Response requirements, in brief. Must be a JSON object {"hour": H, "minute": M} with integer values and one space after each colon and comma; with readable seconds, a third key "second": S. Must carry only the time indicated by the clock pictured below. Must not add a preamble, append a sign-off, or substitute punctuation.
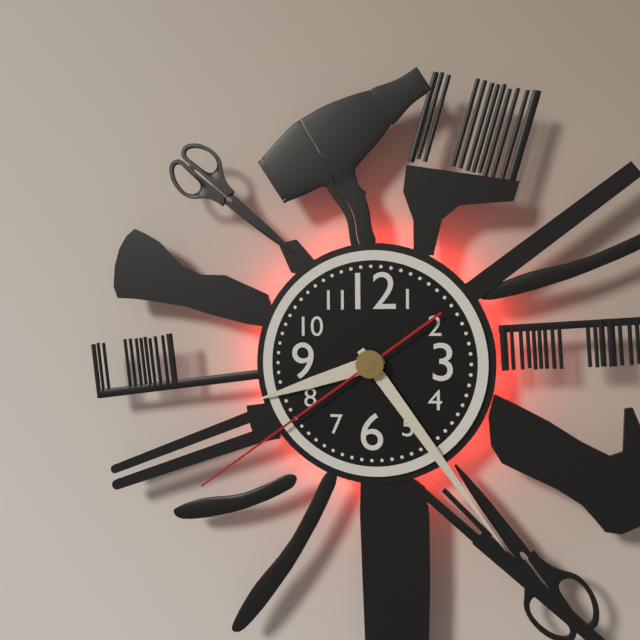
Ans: {"hour": 8, "minute": 24, "second": 39}
